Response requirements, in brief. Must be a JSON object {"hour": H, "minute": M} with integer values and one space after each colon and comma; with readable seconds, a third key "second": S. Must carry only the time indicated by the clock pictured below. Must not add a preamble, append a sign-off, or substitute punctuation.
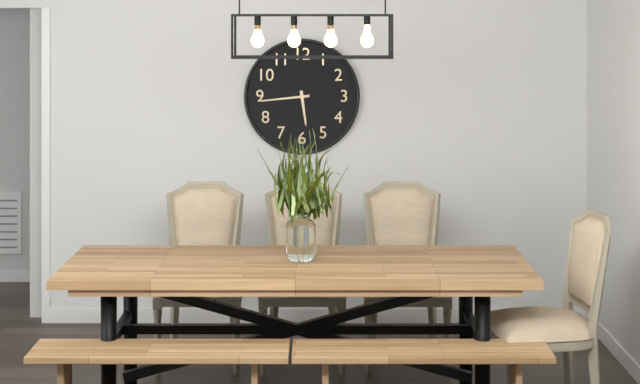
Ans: {"hour": 5, "minute": 44}
